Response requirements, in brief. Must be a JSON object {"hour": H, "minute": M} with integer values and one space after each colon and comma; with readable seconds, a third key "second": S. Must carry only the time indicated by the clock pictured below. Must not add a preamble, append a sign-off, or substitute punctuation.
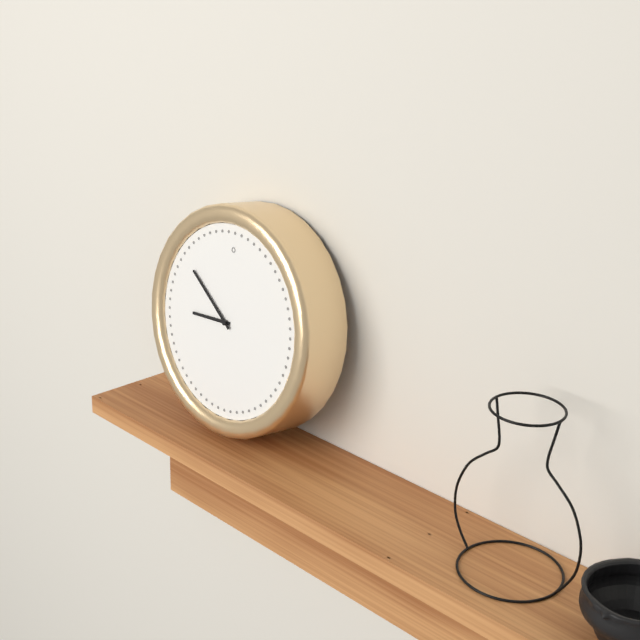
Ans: {"hour": 8, "minute": 51}
